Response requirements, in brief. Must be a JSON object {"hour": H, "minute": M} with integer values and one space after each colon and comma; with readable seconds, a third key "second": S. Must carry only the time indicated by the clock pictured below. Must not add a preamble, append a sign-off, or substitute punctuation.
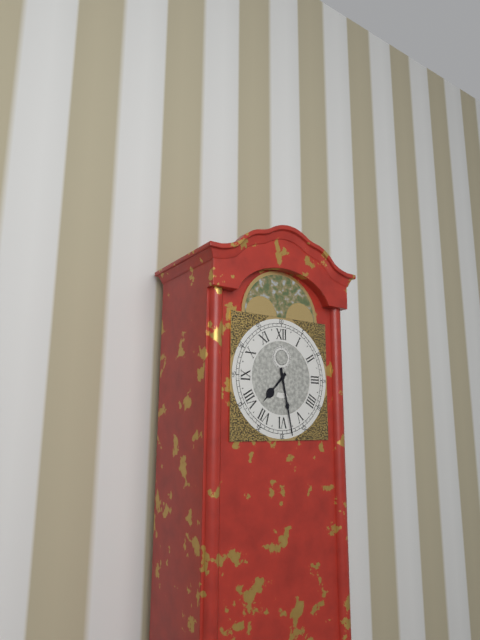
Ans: {"hour": 7, "minute": 28}
